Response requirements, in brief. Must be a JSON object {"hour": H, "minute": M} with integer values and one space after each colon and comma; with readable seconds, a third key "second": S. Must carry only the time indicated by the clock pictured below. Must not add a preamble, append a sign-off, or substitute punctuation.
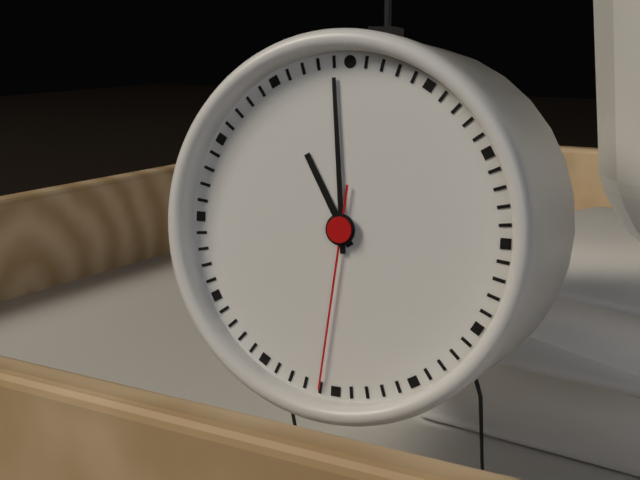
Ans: {"hour": 10, "minute": 59, "second": 31}
